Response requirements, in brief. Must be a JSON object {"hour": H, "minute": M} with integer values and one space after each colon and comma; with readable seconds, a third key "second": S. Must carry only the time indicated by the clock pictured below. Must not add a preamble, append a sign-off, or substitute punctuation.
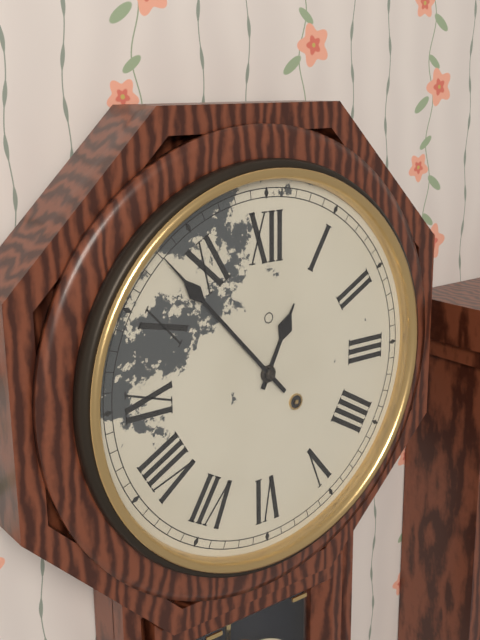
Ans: {"hour": 12, "minute": 53}
